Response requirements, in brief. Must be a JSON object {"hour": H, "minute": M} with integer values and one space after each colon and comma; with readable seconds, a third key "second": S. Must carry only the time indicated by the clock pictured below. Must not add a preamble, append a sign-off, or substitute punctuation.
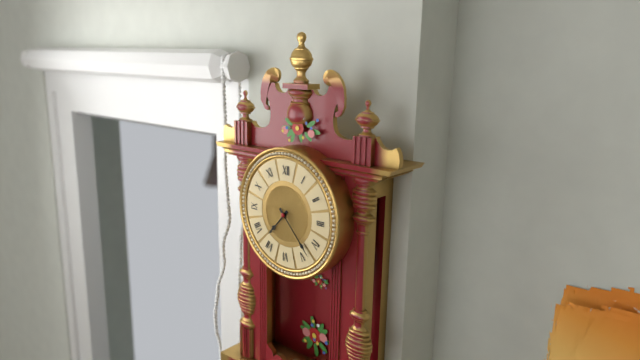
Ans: {"hour": 7, "minute": 23}
